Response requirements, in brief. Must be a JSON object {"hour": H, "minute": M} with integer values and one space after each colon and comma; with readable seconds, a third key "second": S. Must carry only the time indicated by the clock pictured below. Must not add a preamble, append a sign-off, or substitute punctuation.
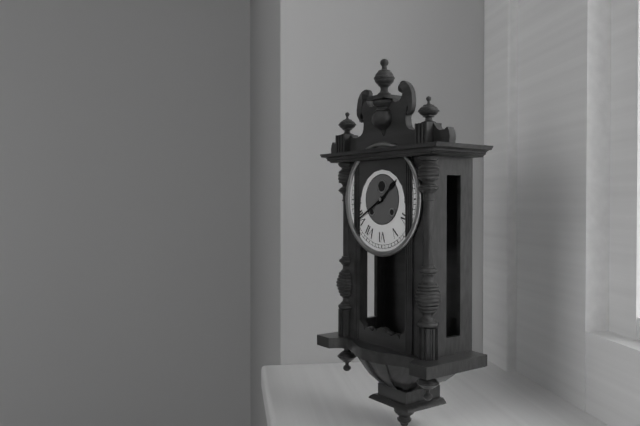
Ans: {"hour": 1, "minute": 40}
